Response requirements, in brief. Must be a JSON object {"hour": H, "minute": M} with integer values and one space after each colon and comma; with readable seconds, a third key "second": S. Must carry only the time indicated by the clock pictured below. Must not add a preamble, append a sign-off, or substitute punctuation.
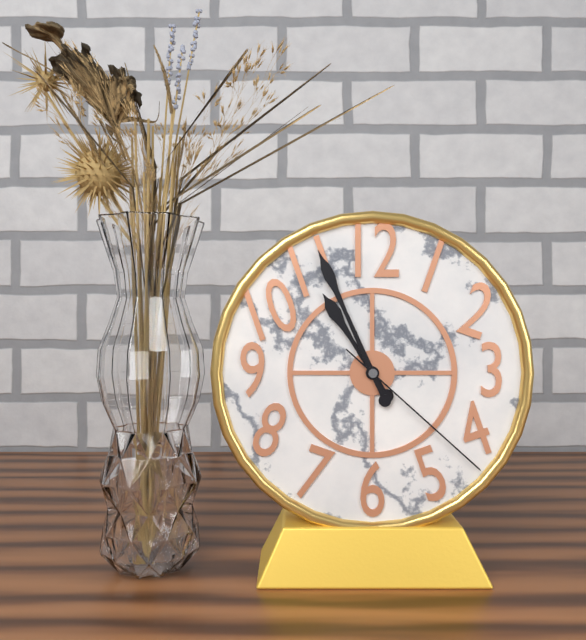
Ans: {"hour": 10, "minute": 56, "second": 22}
